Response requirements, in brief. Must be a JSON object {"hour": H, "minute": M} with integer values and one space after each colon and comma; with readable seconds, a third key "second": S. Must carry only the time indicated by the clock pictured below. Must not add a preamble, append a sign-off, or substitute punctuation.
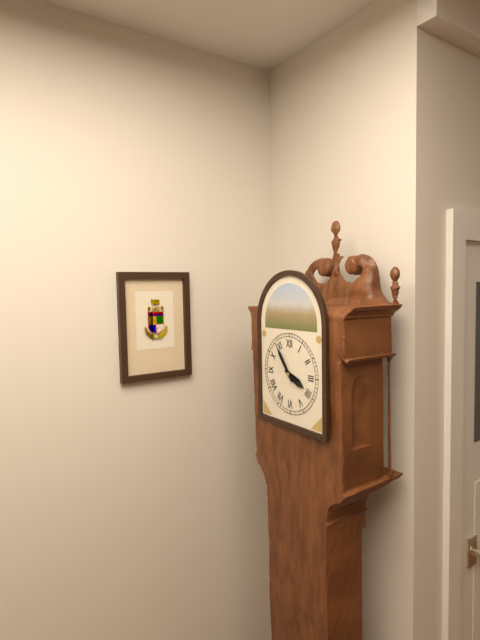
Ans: {"hour": 3, "minute": 54}
